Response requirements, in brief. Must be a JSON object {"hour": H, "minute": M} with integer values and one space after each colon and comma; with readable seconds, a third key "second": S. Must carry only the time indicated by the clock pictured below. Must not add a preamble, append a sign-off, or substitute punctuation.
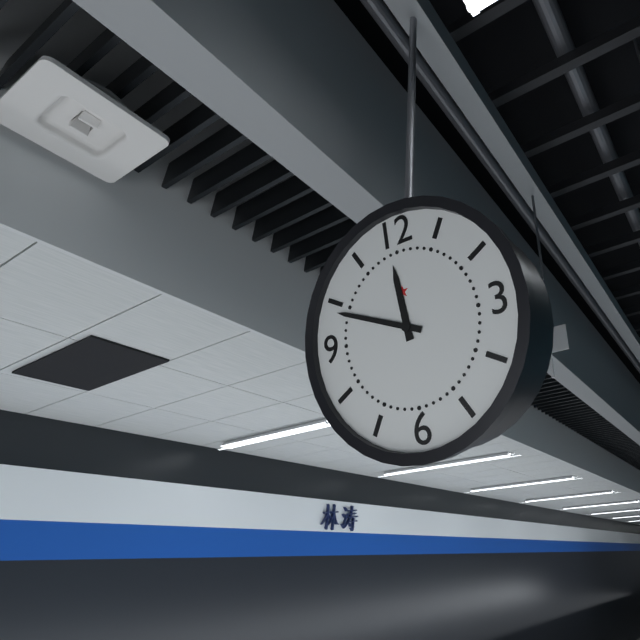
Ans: {"hour": 11, "minute": 49}
